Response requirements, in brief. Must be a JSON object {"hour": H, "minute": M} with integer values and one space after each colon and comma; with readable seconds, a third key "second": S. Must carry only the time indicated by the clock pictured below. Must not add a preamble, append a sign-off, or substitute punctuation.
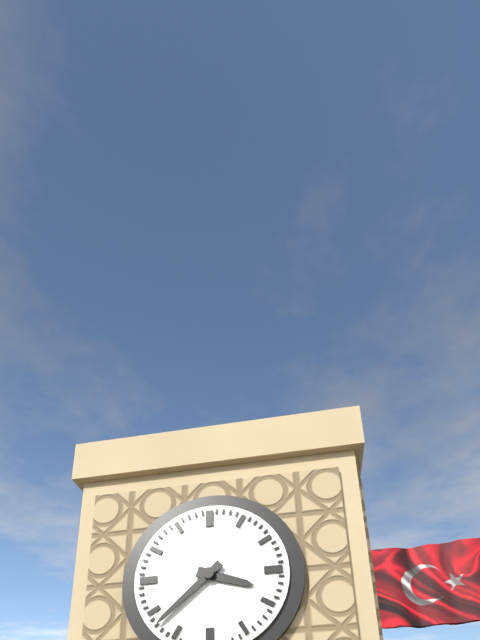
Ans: {"hour": 3, "minute": 38}
